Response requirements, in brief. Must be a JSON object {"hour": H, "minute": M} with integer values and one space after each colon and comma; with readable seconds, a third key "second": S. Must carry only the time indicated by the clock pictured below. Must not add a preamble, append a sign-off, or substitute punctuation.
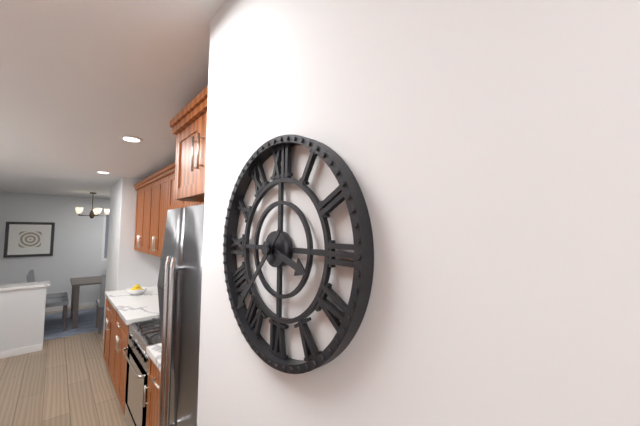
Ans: {"hour": 3, "minute": 37}
